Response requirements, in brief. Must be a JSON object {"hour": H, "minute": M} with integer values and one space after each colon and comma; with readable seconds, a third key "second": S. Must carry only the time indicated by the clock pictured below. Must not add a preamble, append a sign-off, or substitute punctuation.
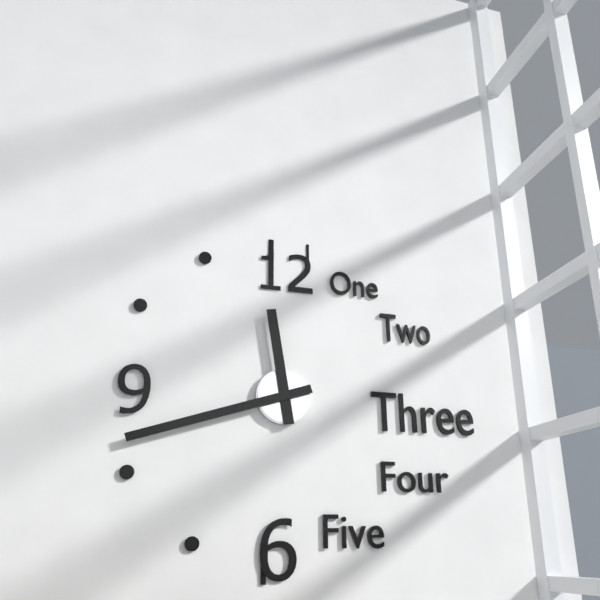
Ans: {"hour": 11, "minute": 42}
